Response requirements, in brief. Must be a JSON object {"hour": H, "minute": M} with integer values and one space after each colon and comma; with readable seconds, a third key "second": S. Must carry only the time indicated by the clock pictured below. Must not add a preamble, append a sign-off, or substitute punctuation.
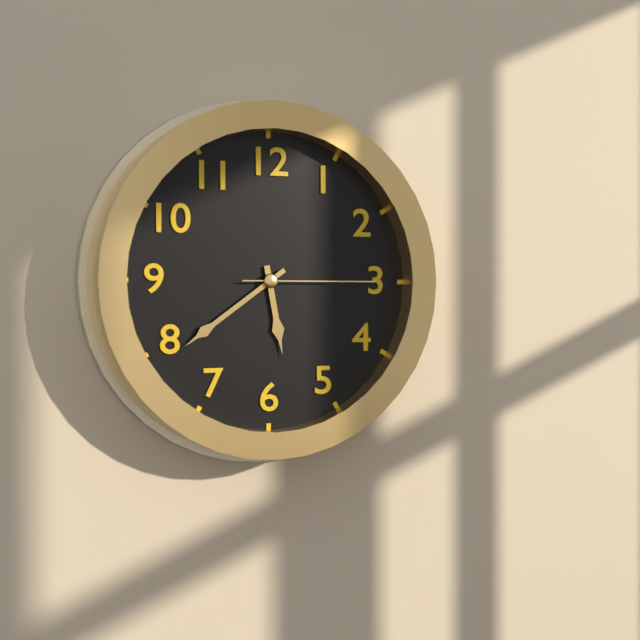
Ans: {"hour": 5, "minute": 39, "second": 15}
